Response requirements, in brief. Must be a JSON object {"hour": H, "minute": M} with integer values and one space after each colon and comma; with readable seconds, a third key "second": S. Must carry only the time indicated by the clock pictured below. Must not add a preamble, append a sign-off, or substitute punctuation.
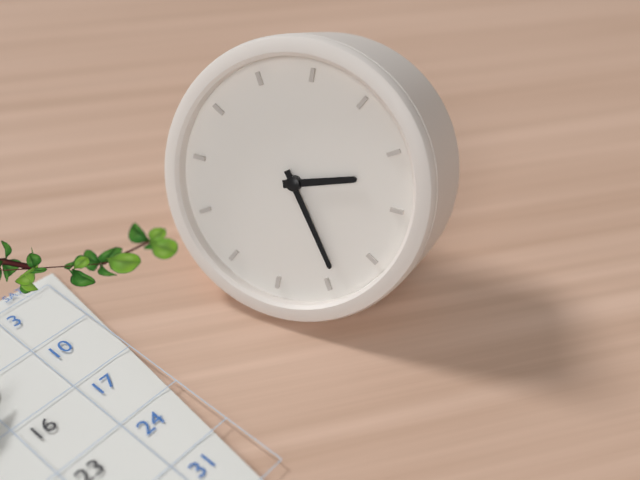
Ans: {"hour": 2, "minute": 24}
